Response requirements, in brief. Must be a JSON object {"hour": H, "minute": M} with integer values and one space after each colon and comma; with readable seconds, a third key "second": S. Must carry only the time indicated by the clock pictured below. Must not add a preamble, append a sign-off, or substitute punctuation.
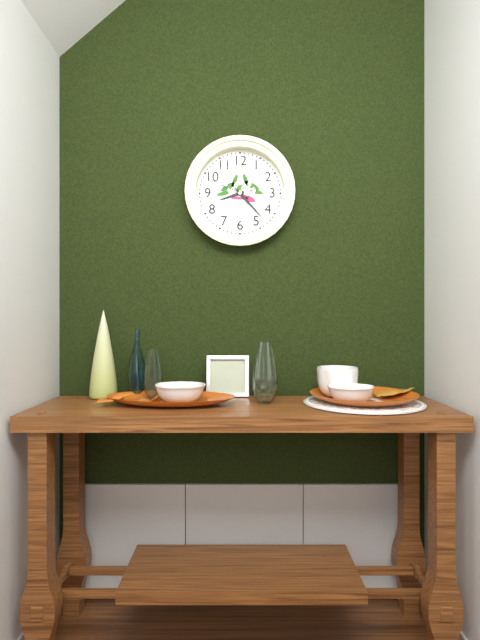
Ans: {"hour": 8, "minute": 23}
